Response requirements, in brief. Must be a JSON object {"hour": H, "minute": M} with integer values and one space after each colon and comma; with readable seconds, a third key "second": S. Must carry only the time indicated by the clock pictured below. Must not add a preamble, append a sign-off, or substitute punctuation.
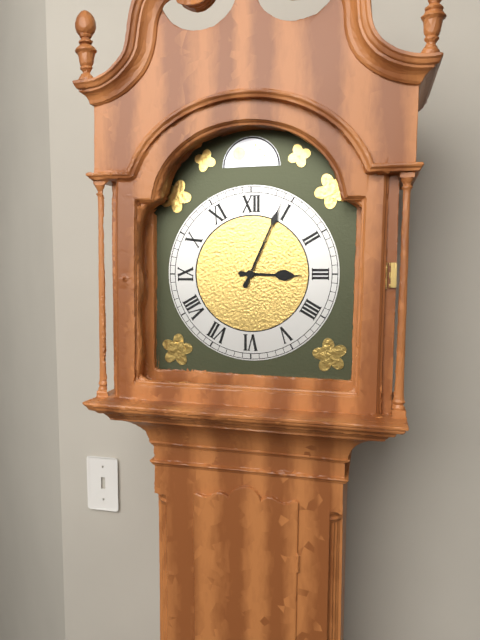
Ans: {"hour": 3, "minute": 4}
